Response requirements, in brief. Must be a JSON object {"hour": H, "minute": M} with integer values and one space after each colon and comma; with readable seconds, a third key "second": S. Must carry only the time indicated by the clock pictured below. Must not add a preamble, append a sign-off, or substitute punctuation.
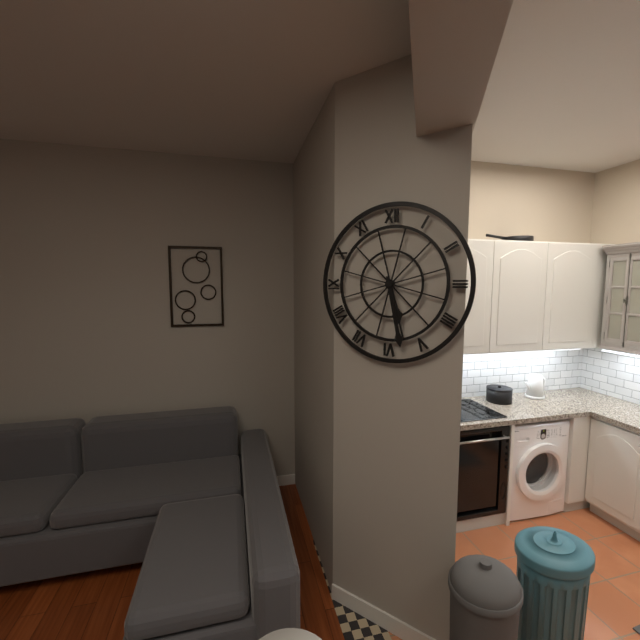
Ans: {"hour": 5, "minute": 28}
